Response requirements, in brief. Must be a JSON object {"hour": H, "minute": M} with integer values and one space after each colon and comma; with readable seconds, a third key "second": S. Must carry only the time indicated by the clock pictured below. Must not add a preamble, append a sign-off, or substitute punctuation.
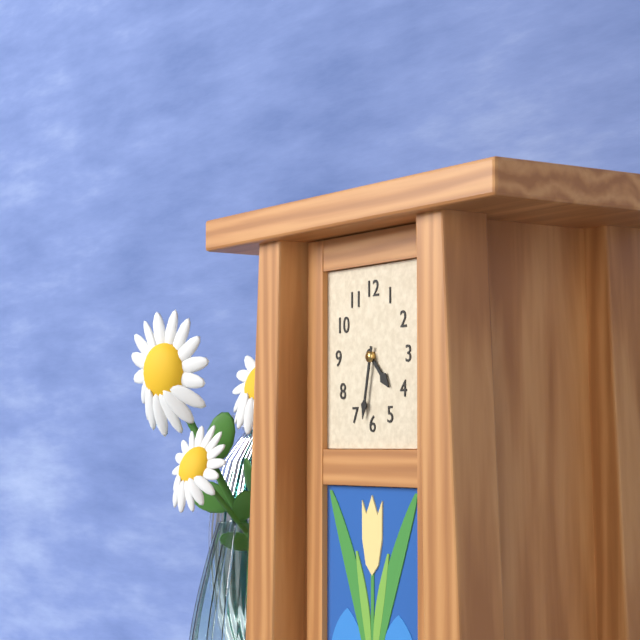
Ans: {"hour": 4, "minute": 32}
